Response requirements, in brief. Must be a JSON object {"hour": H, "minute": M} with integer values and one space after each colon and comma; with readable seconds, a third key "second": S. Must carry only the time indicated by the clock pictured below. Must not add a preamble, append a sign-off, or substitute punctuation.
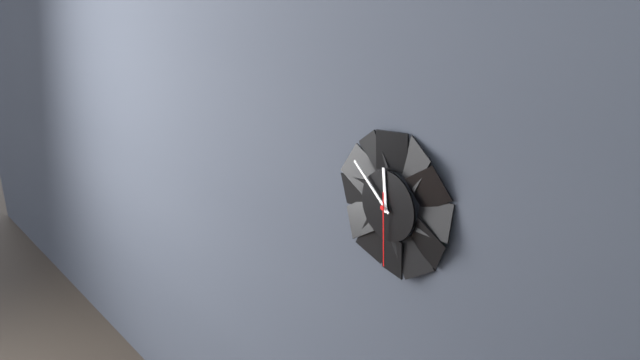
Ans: {"hour": 11, "minute": 52, "second": 30}
